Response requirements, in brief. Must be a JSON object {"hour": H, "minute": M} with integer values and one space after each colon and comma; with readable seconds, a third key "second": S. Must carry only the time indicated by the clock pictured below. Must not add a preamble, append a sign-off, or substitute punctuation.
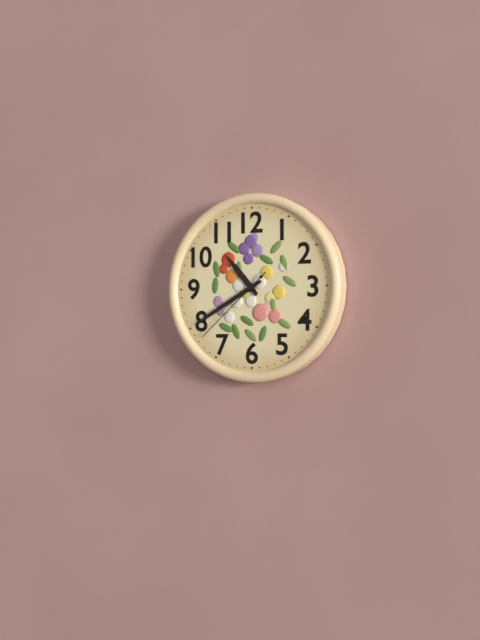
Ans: {"hour": 10, "minute": 40, "second": 38}
